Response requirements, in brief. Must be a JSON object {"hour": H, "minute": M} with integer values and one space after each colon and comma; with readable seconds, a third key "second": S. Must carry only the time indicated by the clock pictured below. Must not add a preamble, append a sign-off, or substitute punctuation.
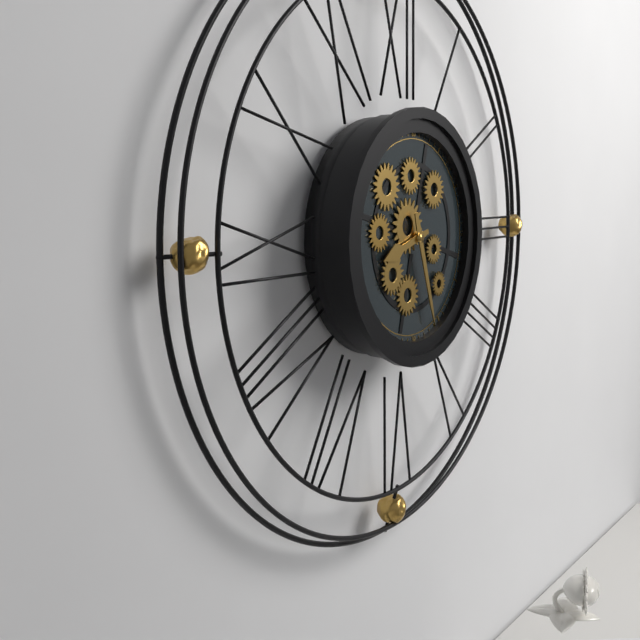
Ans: {"hour": 8, "minute": 27}
